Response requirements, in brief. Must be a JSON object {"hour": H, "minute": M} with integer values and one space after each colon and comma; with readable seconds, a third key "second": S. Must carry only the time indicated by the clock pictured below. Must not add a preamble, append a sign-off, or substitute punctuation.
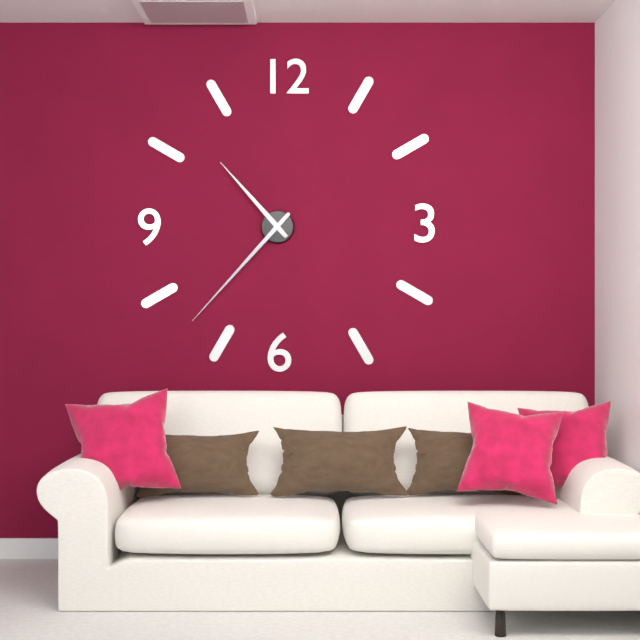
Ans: {"hour": 10, "minute": 37}
